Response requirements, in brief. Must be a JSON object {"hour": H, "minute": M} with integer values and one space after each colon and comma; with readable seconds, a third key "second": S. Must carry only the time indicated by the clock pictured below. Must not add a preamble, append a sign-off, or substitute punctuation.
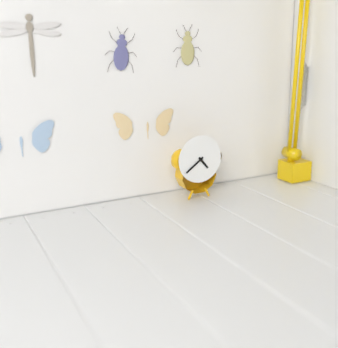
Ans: {"hour": 4, "minute": 39}
